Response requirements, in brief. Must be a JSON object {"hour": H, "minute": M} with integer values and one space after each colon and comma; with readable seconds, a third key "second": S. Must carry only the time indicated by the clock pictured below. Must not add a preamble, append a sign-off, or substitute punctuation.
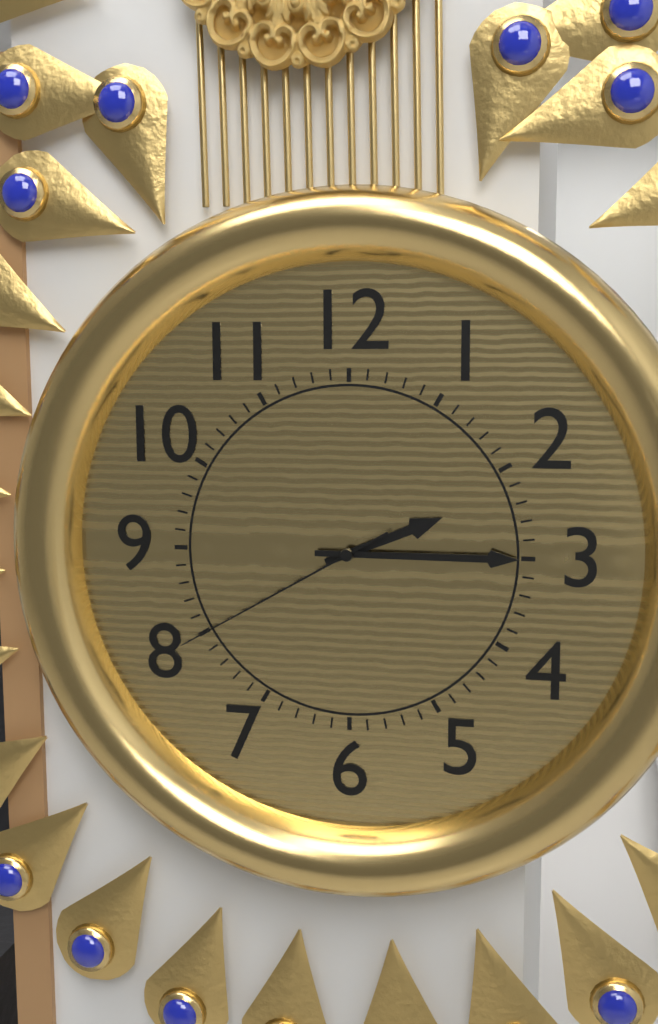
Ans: {"hour": 2, "minute": 15, "second": 40}
